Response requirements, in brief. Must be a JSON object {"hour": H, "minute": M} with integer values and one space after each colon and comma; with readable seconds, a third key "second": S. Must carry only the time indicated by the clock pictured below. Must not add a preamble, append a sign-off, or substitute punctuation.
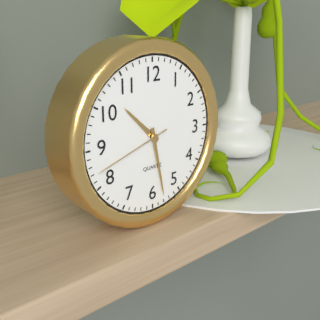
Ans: {"hour": 10, "minute": 28, "second": 42}
